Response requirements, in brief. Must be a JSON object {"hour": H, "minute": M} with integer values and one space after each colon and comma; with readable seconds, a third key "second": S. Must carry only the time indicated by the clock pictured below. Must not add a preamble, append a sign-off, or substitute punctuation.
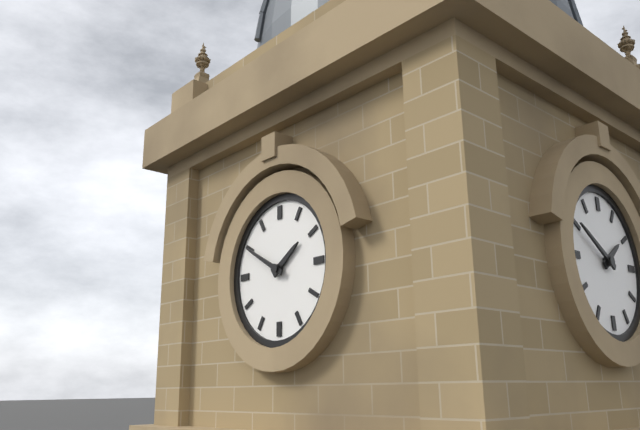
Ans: {"hour": 1, "minute": 50}
